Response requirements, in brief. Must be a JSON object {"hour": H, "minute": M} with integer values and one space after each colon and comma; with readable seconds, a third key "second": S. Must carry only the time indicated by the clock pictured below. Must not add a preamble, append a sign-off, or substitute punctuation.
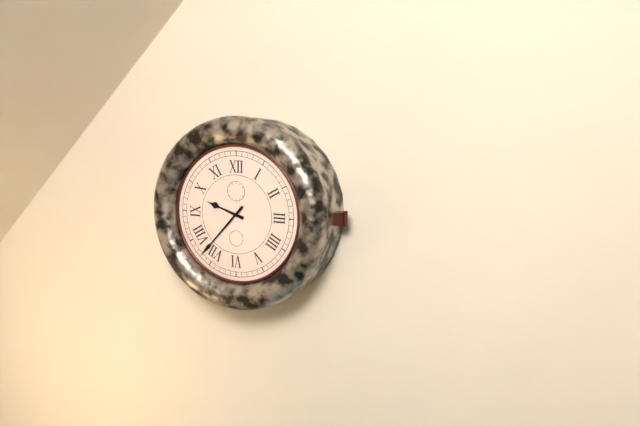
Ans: {"hour": 9, "minute": 37}
